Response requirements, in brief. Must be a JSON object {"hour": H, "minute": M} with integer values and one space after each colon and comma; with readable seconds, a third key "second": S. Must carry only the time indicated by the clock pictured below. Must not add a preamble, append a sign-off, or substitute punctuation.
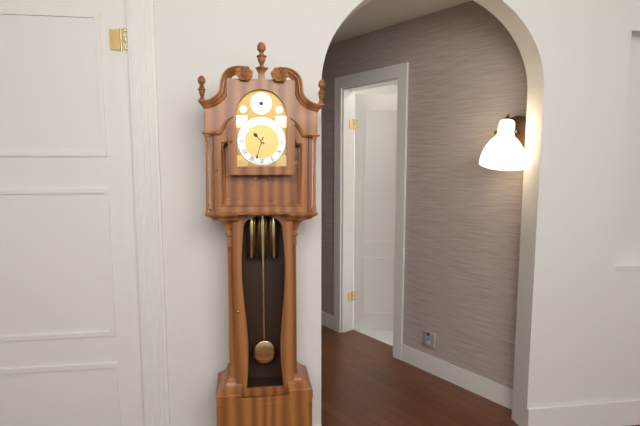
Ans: {"hour": 10, "minute": 33}
